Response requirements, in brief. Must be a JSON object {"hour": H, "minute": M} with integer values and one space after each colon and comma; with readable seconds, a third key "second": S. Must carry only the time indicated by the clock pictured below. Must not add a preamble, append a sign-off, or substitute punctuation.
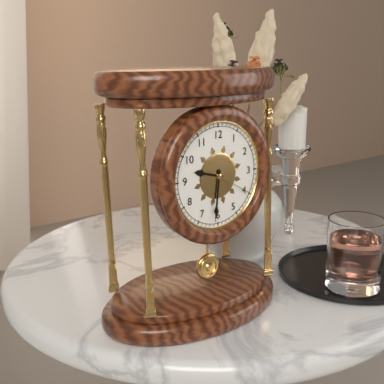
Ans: {"hour": 9, "minute": 31}
